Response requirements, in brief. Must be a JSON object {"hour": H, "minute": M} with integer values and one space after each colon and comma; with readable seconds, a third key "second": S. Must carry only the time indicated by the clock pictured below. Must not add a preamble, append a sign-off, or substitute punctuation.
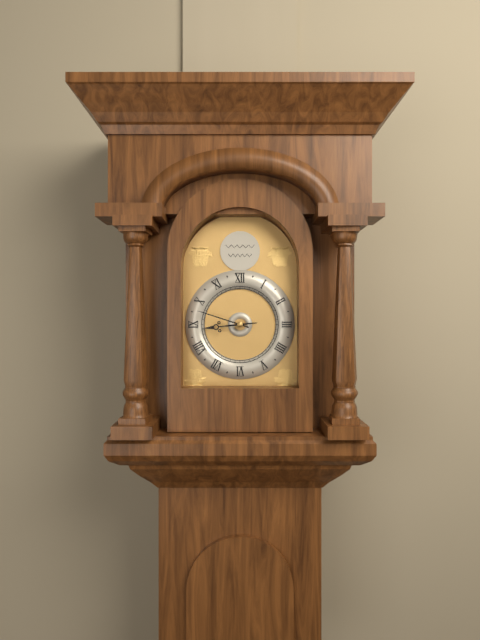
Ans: {"hour": 8, "minute": 48}
